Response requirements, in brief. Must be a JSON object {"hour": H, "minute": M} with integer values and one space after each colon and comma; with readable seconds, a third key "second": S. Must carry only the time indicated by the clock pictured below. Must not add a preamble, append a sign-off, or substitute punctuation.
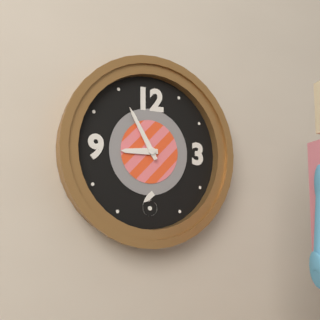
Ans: {"hour": 8, "minute": 55}
